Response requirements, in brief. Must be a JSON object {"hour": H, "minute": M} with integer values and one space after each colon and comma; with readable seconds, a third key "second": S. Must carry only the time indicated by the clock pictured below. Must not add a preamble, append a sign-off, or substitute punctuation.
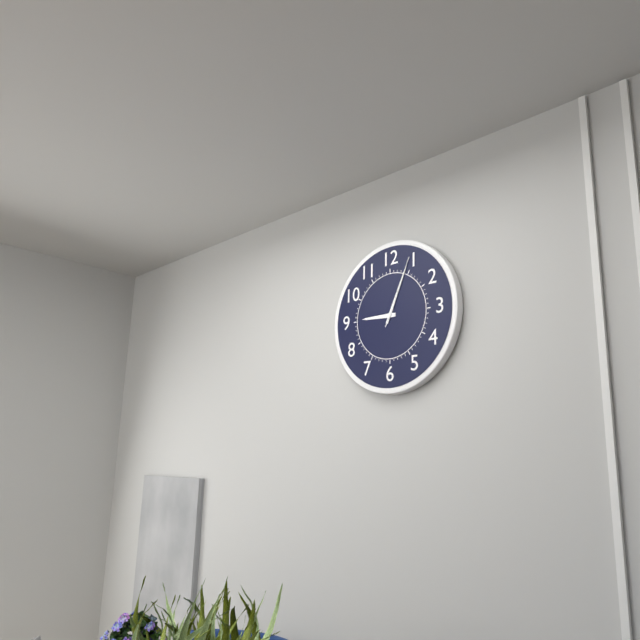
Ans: {"hour": 9, "minute": 4, "second": 4}
